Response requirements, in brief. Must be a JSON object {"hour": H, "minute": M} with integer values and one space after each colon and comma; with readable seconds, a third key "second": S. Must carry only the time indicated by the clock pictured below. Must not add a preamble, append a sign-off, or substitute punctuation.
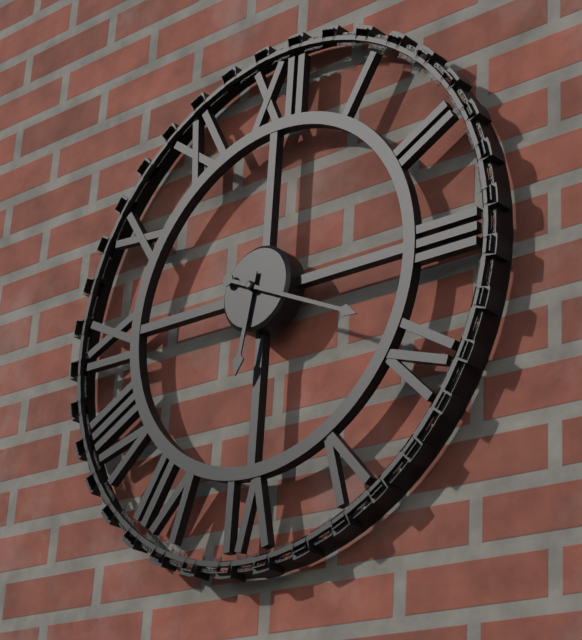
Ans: {"hour": 6, "minute": 19}
